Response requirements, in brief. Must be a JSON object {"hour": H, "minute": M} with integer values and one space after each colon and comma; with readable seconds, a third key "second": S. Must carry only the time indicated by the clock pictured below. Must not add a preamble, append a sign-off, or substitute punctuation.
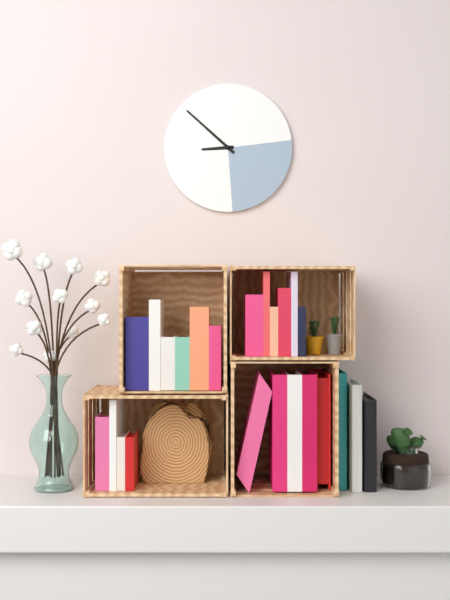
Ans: {"hour": 8, "minute": 52}
